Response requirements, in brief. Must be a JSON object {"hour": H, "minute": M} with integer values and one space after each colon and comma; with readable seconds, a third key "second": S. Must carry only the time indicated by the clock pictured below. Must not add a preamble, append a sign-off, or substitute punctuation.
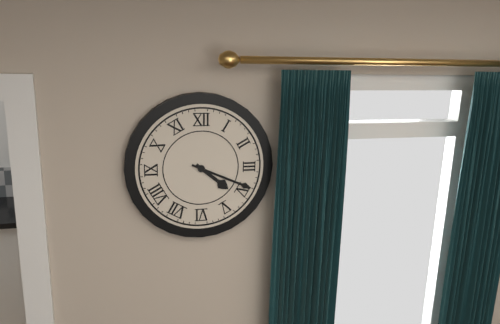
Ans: {"hour": 4, "minute": 19}
